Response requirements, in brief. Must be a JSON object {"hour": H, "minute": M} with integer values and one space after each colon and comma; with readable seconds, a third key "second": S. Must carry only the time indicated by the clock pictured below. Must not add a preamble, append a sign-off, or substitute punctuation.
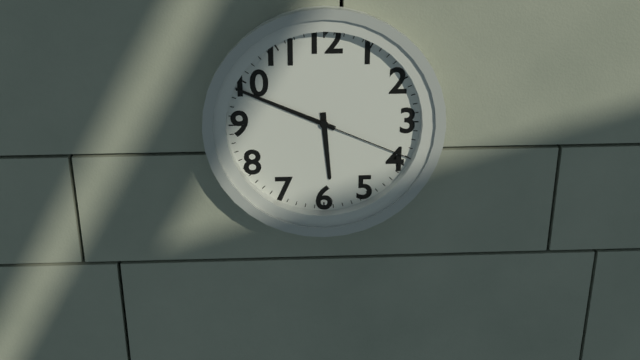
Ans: {"hour": 5, "minute": 49, "second": 19}
